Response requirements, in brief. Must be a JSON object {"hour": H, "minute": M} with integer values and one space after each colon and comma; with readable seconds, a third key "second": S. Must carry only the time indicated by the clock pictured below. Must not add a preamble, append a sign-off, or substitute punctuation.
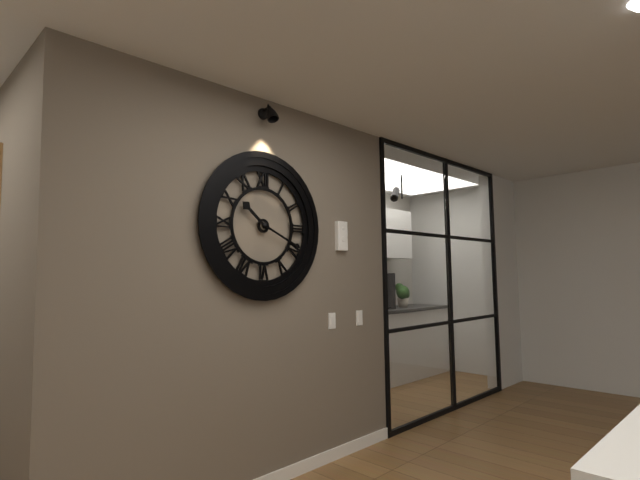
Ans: {"hour": 10, "minute": 19}
